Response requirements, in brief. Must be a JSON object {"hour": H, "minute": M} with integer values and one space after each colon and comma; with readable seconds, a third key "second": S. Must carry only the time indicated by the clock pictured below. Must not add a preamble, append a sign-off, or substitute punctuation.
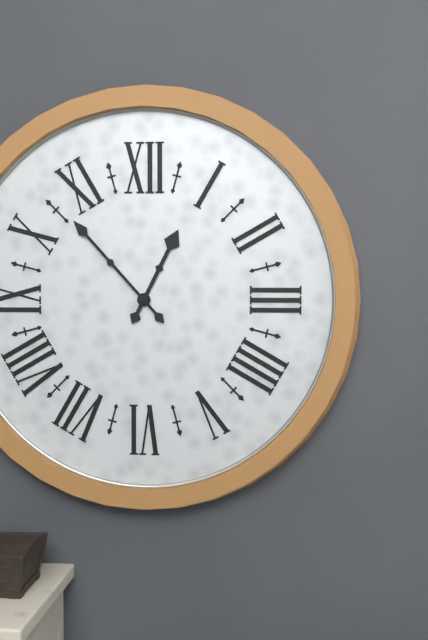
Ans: {"hour": 12, "minute": 53}
